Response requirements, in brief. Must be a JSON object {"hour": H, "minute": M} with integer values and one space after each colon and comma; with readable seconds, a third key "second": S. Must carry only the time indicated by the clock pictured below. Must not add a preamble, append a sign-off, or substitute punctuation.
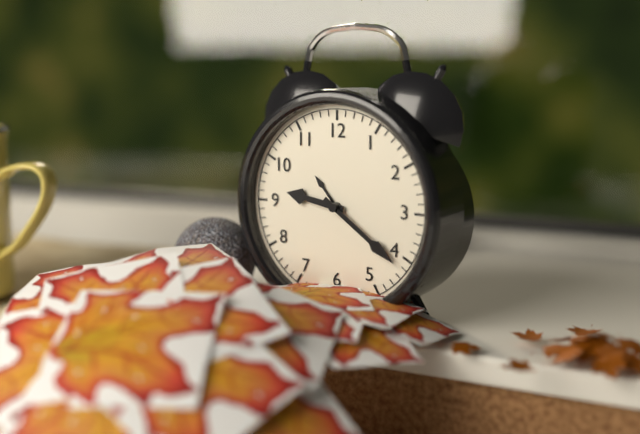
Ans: {"hour": 9, "minute": 21}
